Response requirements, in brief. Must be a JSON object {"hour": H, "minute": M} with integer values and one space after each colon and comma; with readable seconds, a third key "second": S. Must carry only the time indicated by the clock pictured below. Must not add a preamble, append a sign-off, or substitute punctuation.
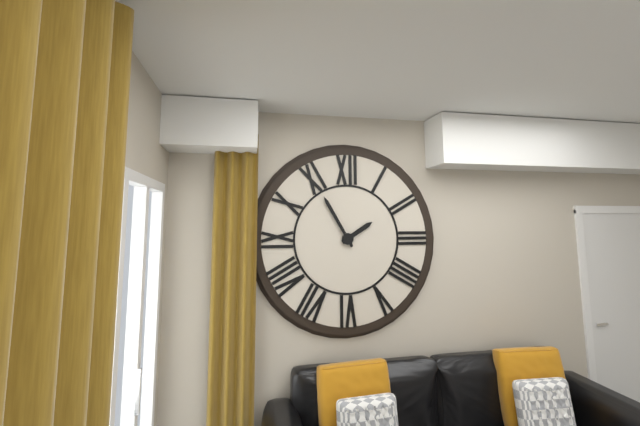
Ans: {"hour": 1, "minute": 55}
